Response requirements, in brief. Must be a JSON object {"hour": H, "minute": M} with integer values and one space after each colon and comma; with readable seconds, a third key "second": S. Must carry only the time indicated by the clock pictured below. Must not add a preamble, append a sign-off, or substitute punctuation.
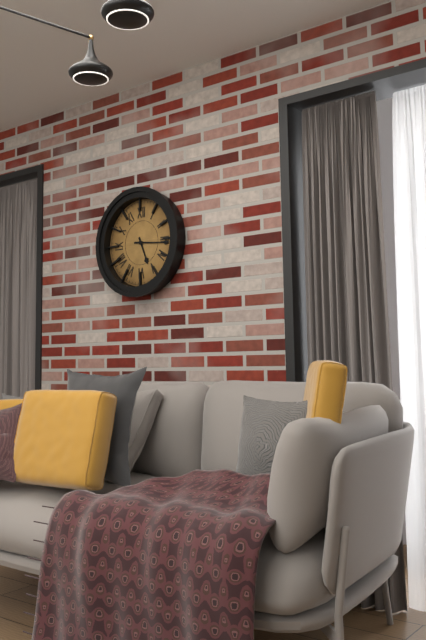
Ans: {"hour": 5, "minute": 16}
